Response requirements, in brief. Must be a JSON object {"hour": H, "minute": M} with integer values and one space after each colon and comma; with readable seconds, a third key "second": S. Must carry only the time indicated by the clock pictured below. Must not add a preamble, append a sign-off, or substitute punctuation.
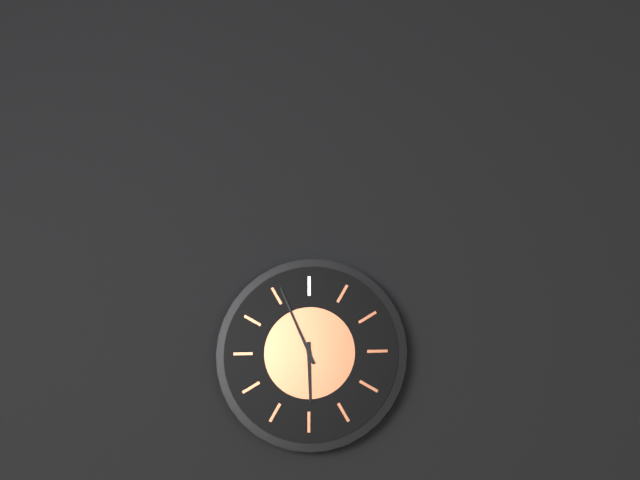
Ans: {"hour": 5, "minute": 56}
